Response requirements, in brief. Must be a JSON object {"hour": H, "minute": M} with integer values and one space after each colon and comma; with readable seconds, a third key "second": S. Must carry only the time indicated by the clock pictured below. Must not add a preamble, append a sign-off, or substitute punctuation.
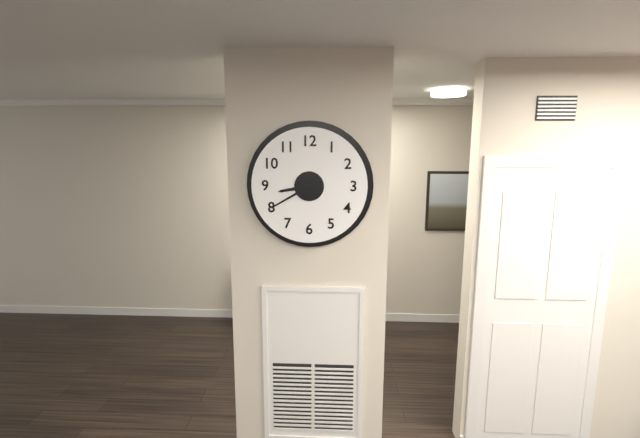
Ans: {"hour": 8, "minute": 40}
